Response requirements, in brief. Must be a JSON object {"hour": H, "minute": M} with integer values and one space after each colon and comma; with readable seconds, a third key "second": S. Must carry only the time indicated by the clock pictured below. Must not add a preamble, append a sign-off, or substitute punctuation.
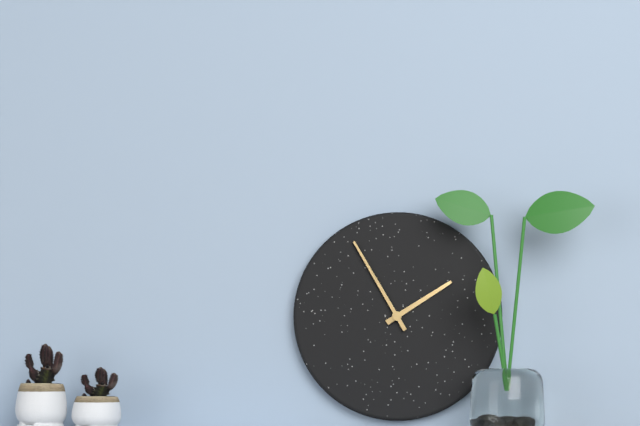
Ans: {"hour": 1, "minute": 55}
